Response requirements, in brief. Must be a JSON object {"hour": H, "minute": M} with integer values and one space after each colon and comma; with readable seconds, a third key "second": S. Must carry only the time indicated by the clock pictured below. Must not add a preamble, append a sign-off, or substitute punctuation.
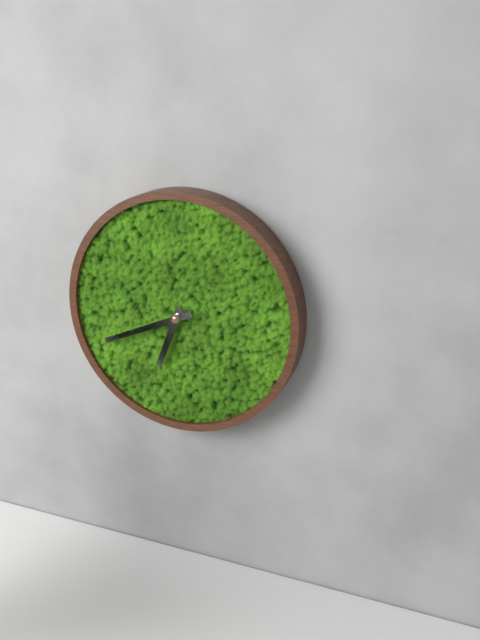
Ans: {"hour": 6, "minute": 41}
